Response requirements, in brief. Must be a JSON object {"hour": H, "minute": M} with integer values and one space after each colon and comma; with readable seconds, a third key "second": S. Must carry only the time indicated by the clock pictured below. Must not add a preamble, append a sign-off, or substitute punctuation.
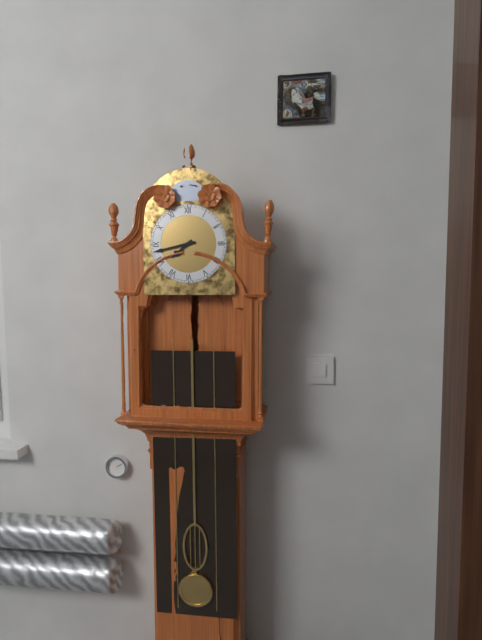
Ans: {"hour": 7, "minute": 43}
